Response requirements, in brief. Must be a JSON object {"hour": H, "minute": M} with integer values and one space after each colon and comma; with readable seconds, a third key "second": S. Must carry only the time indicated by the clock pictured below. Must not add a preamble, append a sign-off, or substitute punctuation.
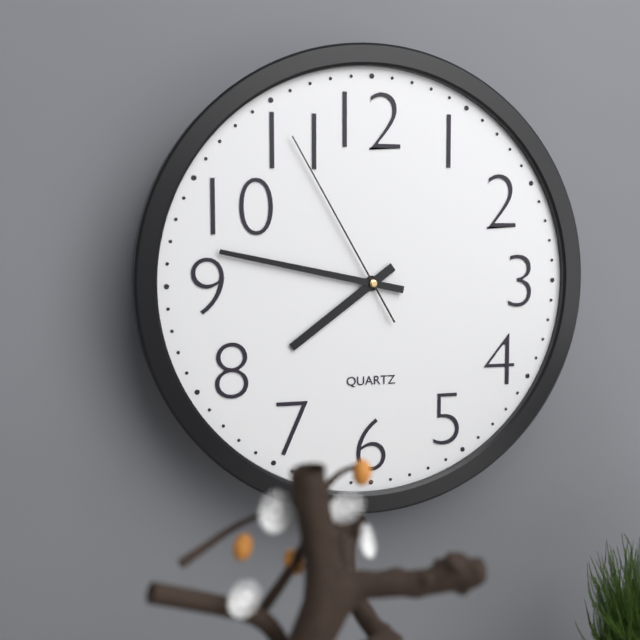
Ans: {"hour": 7, "minute": 47, "second": 55}
